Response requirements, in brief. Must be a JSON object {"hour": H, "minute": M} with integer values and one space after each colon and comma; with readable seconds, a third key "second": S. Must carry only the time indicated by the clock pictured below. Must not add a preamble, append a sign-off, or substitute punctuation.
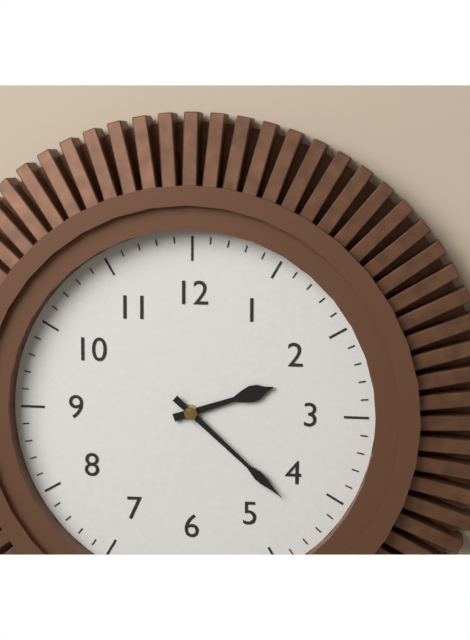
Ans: {"hour": 2, "minute": 22}
